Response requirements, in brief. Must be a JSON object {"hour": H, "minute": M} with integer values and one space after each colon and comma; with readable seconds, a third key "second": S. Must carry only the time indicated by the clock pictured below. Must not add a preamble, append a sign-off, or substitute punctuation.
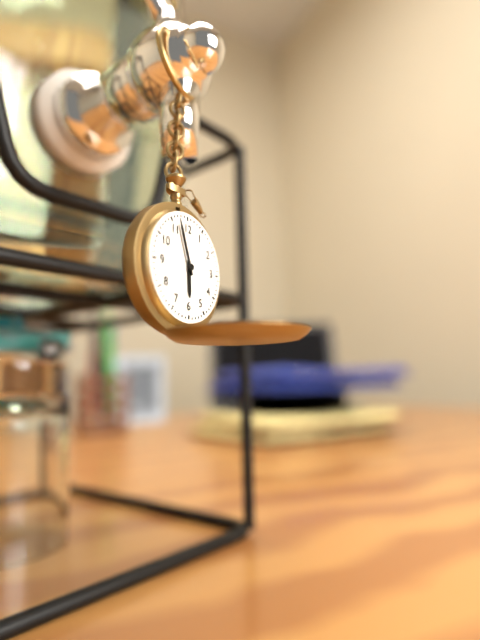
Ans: {"hour": 5, "minute": 57}
